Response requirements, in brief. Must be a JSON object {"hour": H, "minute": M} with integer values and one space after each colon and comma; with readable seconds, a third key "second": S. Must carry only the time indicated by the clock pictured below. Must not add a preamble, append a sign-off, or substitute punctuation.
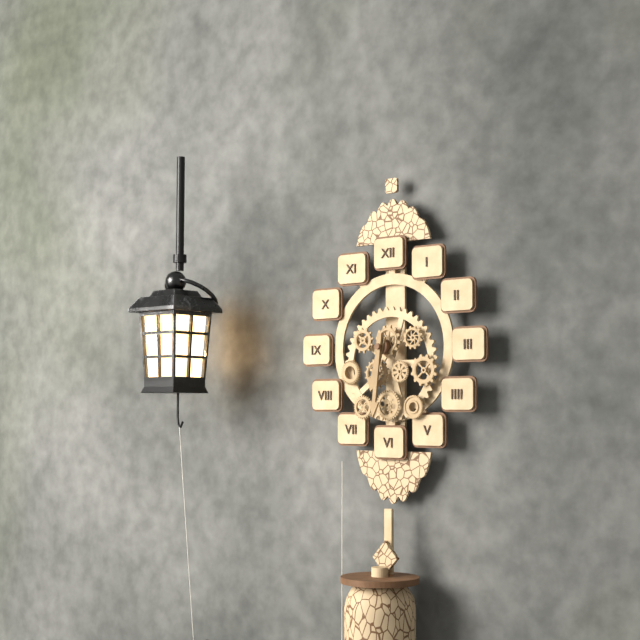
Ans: {"hour": 6, "minute": 31}
